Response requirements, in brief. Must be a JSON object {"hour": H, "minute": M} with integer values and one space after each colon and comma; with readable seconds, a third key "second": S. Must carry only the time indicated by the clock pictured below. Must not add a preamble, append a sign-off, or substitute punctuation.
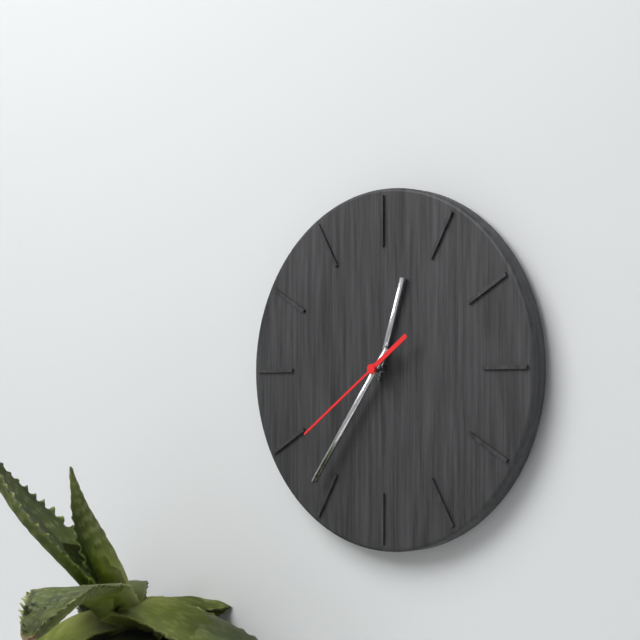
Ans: {"hour": 12, "minute": 36, "second": 39}
